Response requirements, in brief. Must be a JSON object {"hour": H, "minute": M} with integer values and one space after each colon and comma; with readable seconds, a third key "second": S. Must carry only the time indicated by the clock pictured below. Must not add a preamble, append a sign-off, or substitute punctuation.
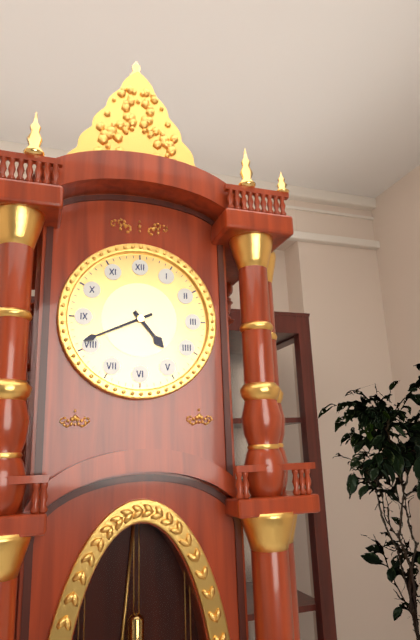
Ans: {"hour": 4, "minute": 41}
